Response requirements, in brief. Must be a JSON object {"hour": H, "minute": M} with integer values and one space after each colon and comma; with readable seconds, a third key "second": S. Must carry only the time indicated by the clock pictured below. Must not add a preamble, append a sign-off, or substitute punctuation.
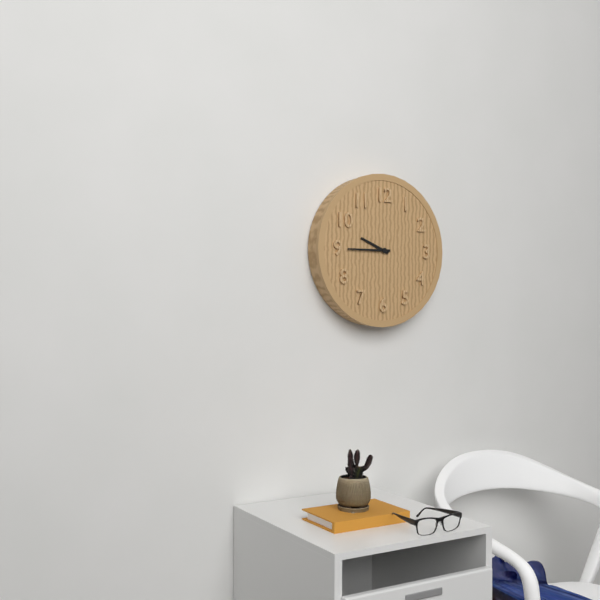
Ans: {"hour": 9, "minute": 45}
